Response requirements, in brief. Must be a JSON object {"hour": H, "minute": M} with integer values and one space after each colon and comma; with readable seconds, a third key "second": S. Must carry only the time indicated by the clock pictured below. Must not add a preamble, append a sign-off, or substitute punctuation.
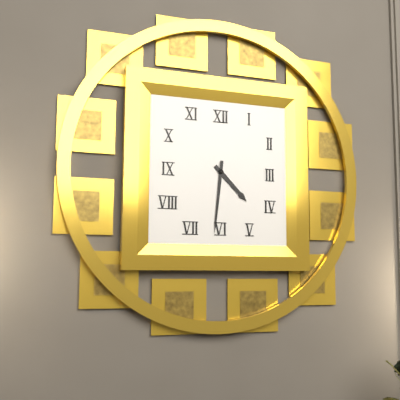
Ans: {"hour": 4, "minute": 31}
